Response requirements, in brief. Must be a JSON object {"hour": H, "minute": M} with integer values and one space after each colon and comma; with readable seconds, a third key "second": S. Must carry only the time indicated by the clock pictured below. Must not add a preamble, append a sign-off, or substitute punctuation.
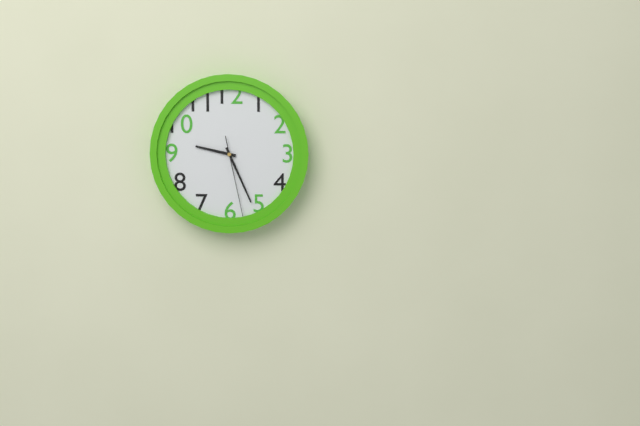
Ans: {"hour": 9, "minute": 26, "second": 28}
